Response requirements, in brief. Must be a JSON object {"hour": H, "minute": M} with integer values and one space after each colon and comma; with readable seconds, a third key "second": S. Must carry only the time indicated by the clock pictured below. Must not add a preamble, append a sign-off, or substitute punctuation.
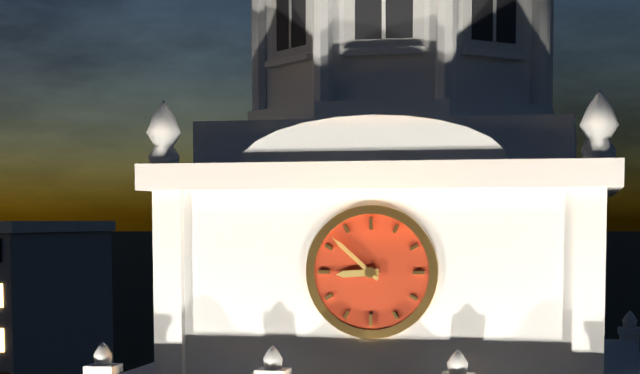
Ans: {"hour": 8, "minute": 52}
